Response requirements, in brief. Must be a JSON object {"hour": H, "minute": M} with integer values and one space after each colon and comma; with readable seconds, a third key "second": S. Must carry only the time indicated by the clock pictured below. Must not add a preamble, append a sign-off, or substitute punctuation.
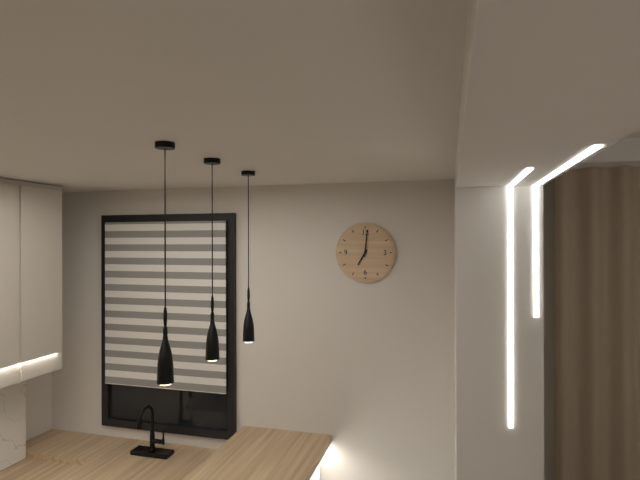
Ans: {"hour": 7, "minute": 1}
